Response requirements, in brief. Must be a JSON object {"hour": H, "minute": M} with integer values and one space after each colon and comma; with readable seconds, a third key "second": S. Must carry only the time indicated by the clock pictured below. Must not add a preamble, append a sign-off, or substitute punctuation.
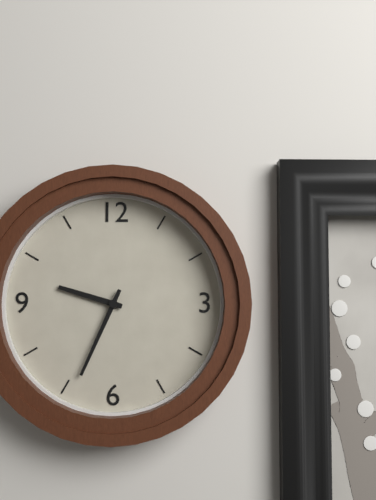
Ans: {"hour": 9, "minute": 34}
